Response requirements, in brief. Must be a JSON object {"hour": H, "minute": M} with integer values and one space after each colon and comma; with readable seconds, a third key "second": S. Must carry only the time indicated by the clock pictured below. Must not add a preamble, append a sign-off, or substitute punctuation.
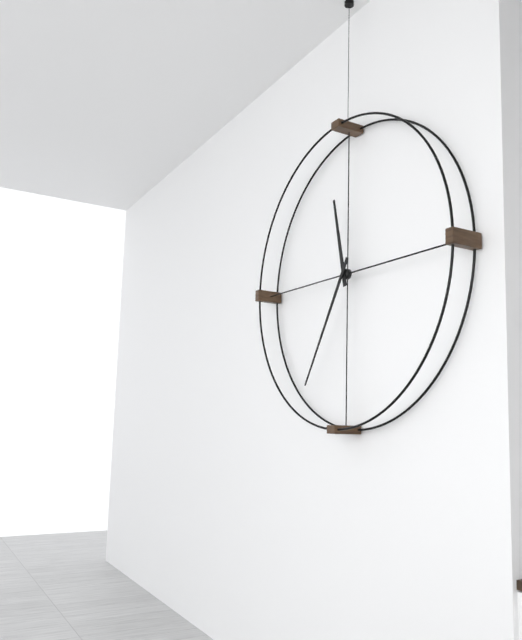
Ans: {"hour": 11, "minute": 35}
